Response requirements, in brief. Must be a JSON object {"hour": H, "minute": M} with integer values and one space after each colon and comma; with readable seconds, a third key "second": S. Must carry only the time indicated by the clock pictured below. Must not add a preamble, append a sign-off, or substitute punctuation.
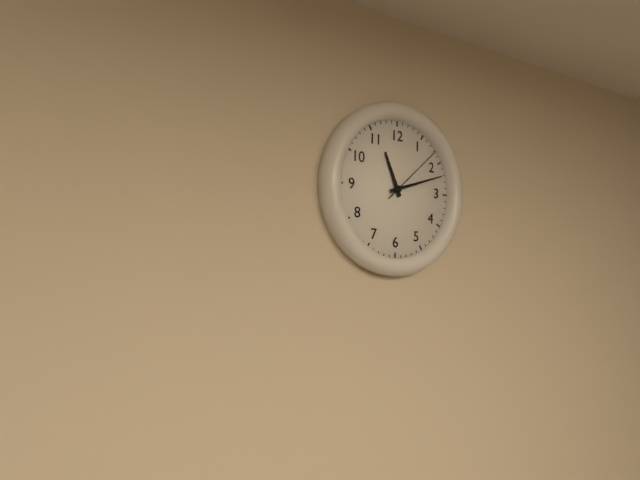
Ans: {"hour": 11, "minute": 12, "second": 8}
